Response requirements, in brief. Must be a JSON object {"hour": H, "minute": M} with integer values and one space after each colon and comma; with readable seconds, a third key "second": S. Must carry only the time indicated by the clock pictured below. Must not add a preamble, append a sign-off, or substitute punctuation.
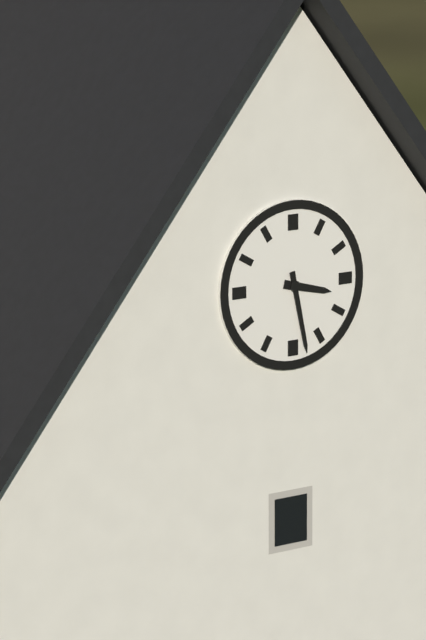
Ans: {"hour": 3, "minute": 28}
